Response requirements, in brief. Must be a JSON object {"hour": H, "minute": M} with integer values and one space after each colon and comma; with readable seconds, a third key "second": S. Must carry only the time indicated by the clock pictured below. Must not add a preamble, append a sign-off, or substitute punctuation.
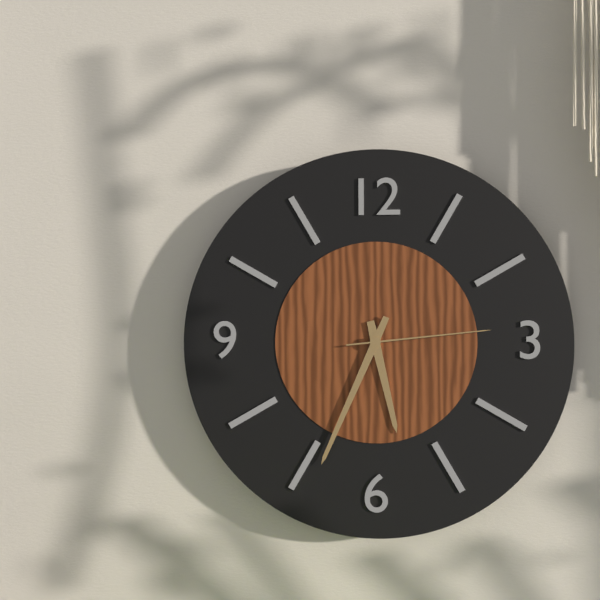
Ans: {"hour": 5, "minute": 34, "second": 14}
